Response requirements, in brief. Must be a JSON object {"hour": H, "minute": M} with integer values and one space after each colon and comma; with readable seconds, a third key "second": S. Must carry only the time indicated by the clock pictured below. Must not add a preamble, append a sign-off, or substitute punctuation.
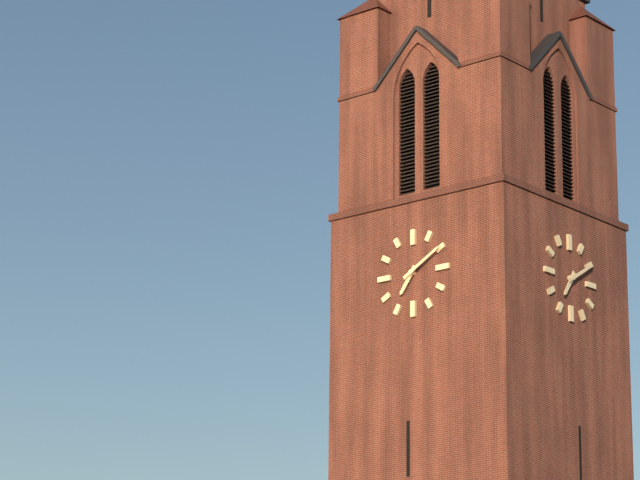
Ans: {"hour": 7, "minute": 10}
